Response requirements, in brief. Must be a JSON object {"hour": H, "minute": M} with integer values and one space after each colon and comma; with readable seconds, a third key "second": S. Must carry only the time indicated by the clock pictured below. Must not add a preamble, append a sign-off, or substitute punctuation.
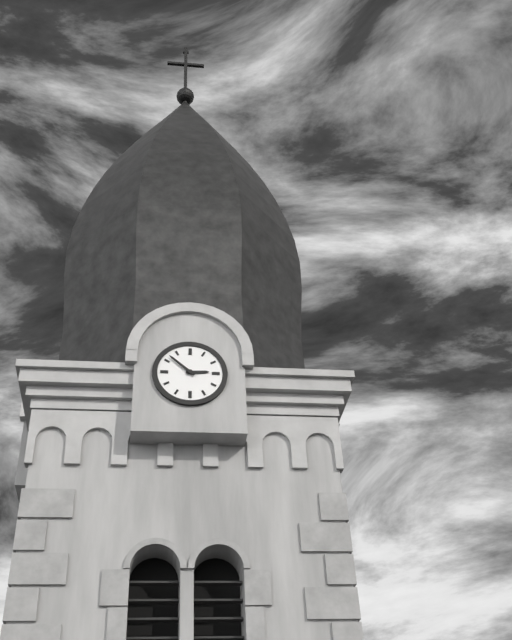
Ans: {"hour": 2, "minute": 52}
